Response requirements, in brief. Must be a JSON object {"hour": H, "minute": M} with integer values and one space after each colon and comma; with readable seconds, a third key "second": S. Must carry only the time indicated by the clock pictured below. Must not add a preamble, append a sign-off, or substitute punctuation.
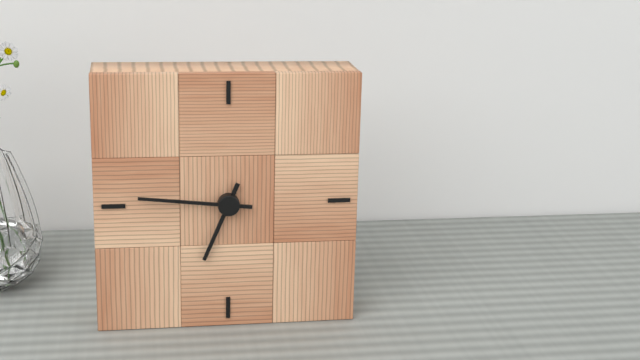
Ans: {"hour": 6, "minute": 46}
